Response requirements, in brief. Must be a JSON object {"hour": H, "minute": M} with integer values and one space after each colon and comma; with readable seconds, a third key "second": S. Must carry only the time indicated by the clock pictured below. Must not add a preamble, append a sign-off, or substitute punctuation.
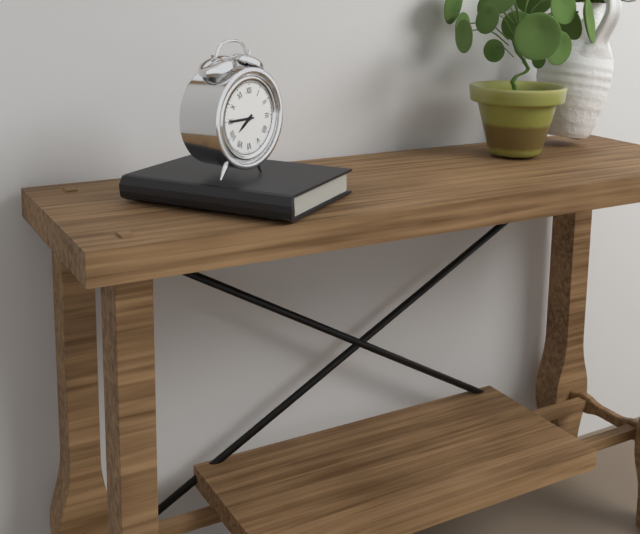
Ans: {"hour": 7, "minute": 45}
